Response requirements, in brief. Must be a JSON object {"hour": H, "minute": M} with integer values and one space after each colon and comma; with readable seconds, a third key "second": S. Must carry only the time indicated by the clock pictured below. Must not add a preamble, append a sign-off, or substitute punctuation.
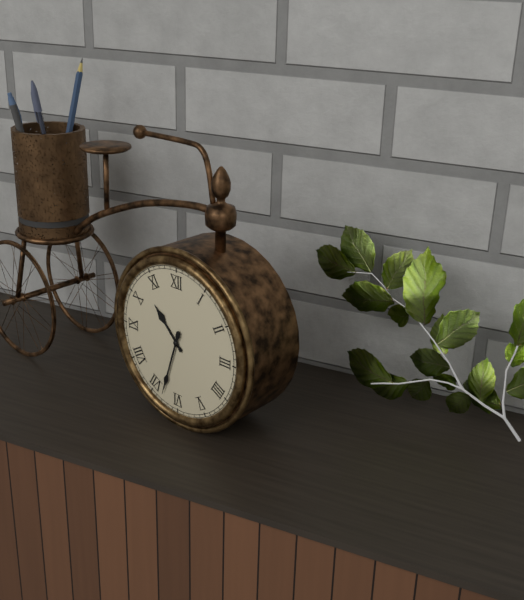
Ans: {"hour": 10, "minute": 33}
